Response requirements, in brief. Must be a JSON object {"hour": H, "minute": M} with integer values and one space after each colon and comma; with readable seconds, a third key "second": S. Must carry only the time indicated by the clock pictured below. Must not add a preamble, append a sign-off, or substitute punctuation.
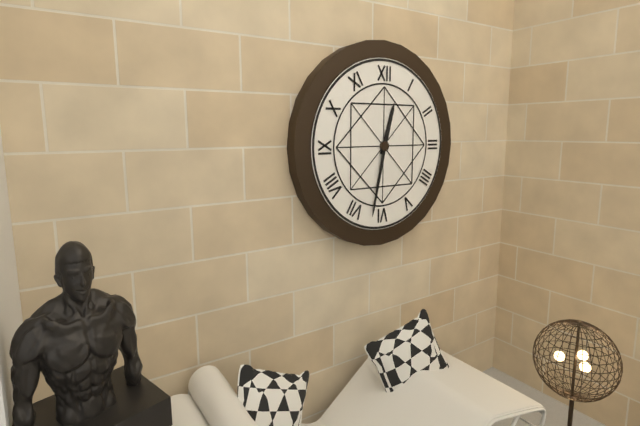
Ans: {"hour": 12, "minute": 32}
